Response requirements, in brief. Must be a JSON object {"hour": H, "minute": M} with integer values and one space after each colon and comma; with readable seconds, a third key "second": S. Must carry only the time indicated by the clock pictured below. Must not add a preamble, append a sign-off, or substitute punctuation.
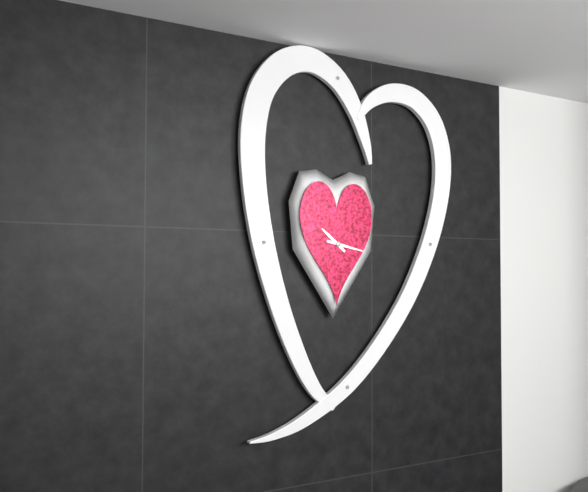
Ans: {"hour": 10, "minute": 17}
